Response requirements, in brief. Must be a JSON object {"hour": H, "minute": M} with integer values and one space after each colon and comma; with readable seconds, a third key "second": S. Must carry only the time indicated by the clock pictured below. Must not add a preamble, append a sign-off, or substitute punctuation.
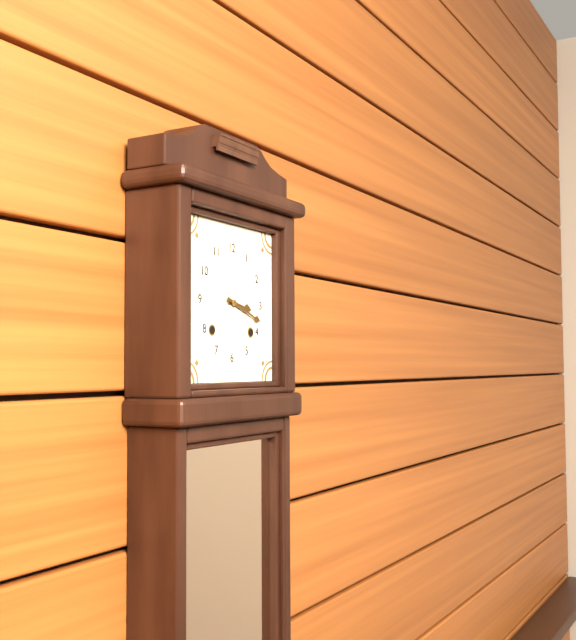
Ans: {"hour": 3, "minute": 18}
